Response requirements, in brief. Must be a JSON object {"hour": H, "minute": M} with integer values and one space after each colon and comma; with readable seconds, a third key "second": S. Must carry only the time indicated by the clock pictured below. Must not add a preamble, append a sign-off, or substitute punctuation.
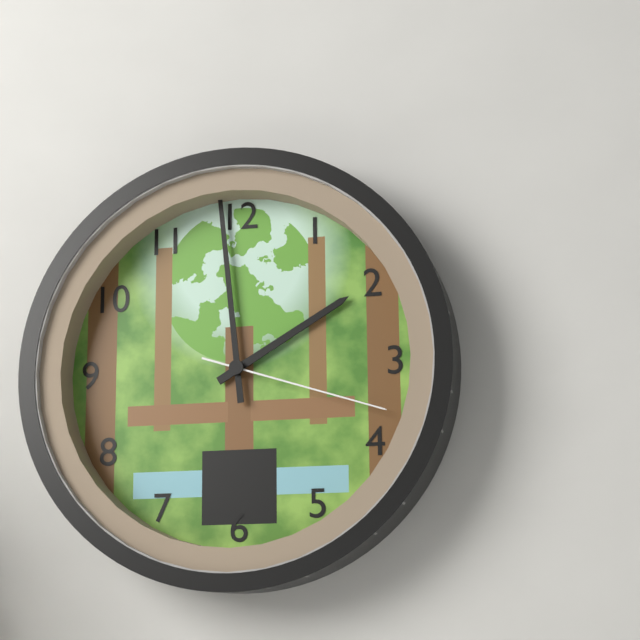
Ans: {"hour": 1, "minute": 59, "second": 18}
